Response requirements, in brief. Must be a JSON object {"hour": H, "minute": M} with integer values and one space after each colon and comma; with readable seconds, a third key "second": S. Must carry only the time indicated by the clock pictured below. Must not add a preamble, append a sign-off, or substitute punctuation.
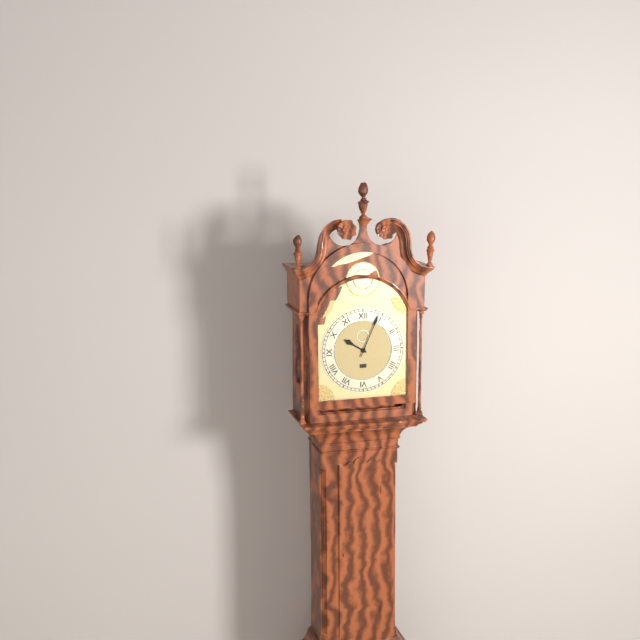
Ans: {"hour": 10, "minute": 4}
